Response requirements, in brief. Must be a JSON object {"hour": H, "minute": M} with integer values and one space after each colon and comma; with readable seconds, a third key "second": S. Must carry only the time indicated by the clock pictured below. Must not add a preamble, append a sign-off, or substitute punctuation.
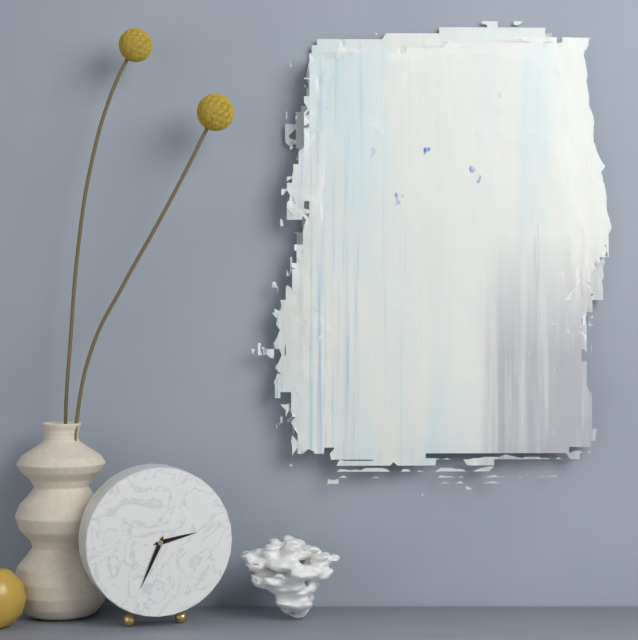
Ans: {"hour": 2, "minute": 34}
